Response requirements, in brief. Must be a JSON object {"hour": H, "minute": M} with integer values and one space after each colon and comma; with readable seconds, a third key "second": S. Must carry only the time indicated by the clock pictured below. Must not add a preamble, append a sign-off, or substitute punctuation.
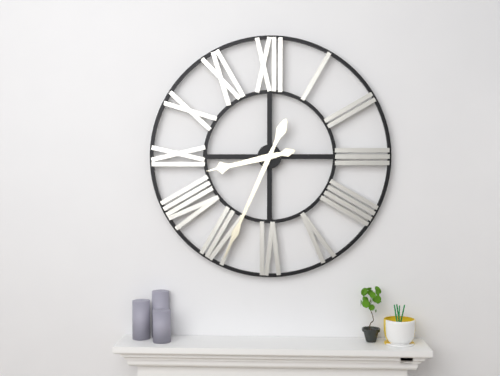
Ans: {"hour": 8, "minute": 34}
